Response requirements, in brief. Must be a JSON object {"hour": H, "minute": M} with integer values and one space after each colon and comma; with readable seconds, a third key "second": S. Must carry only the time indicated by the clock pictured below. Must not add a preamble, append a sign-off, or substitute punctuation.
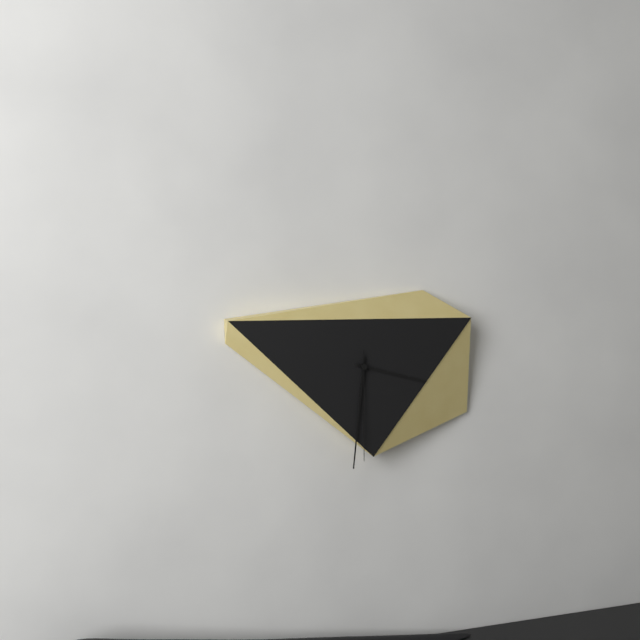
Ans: {"hour": 3, "minute": 31, "second": 30}
